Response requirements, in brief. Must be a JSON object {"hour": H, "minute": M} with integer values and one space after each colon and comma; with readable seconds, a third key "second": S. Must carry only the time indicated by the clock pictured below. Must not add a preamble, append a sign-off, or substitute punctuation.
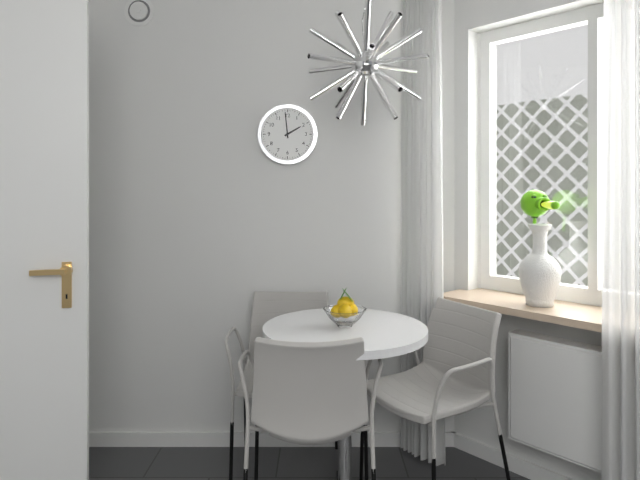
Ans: {"hour": 1, "minute": 59}
